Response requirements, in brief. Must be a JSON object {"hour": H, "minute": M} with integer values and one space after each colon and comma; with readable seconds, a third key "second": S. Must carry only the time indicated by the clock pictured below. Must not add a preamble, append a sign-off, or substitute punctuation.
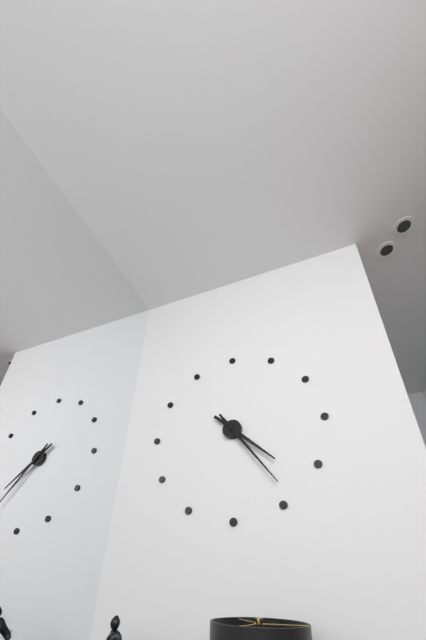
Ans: {"hour": 4, "minute": 24}
